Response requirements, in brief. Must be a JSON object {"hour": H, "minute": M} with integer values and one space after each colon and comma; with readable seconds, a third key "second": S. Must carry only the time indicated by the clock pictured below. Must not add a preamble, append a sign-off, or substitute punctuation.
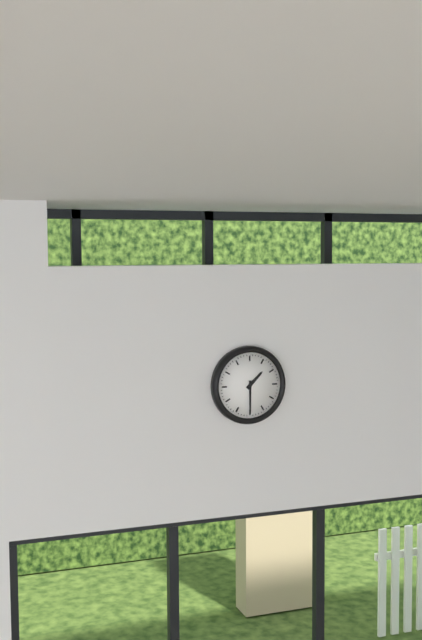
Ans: {"hour": 1, "minute": 30}
